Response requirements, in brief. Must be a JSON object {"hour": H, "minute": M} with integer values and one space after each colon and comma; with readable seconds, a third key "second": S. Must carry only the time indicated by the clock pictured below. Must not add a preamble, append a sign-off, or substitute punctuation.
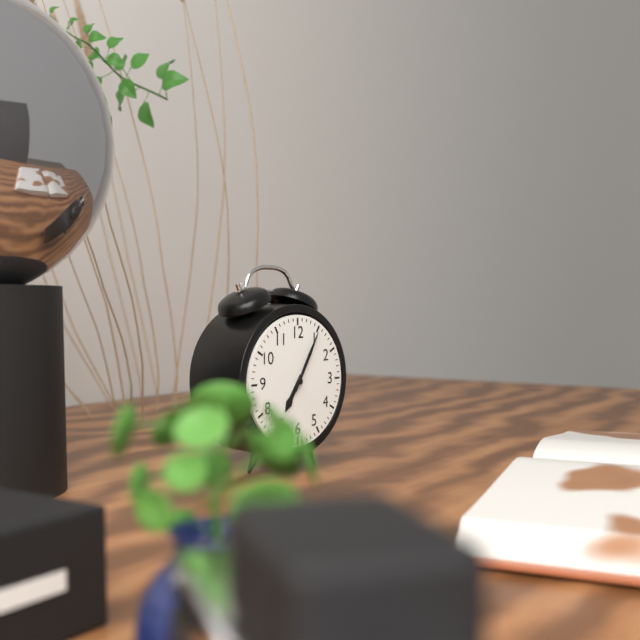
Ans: {"hour": 7, "minute": 5}
